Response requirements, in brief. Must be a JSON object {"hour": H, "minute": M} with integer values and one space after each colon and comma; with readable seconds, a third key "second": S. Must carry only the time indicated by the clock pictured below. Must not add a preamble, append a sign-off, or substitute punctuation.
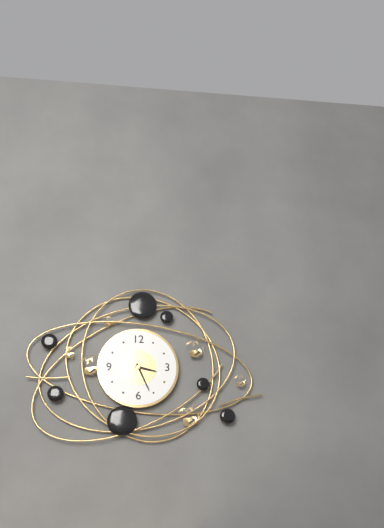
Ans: {"hour": 3, "minute": 26}
